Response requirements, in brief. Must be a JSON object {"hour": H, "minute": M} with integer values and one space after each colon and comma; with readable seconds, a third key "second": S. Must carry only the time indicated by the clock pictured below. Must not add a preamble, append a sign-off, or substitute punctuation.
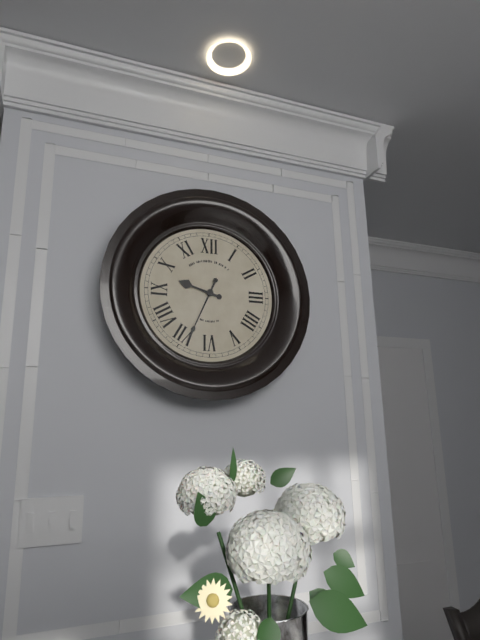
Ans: {"hour": 9, "minute": 34}
